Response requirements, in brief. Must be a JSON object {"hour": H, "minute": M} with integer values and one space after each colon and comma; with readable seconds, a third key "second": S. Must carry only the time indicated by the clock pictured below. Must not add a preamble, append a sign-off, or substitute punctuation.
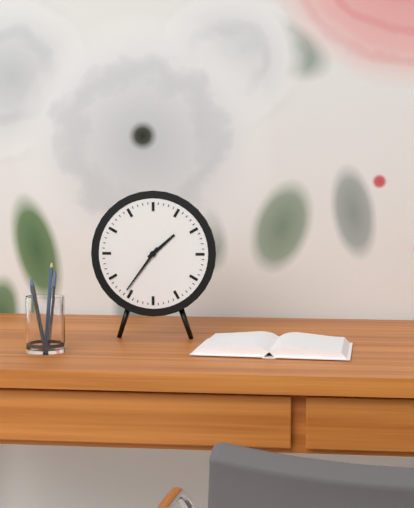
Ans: {"hour": 1, "minute": 36}
